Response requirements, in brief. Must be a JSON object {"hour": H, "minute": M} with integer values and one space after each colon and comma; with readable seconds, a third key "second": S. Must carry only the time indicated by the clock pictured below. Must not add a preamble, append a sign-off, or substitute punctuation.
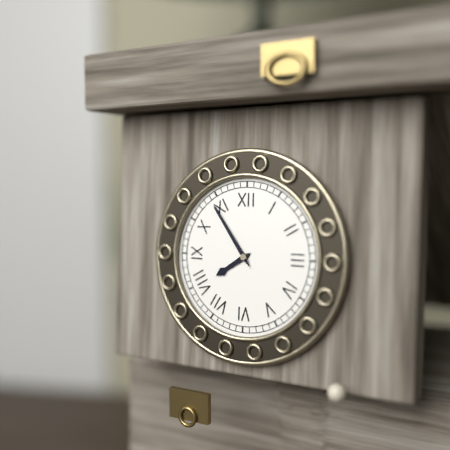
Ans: {"hour": 7, "minute": 54}
